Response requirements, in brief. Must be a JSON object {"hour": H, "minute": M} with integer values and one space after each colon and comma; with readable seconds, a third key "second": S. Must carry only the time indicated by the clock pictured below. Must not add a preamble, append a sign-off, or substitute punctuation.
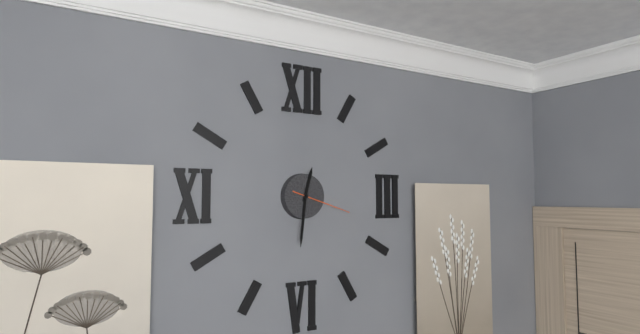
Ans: {"hour": 12, "minute": 31, "second": 18}
